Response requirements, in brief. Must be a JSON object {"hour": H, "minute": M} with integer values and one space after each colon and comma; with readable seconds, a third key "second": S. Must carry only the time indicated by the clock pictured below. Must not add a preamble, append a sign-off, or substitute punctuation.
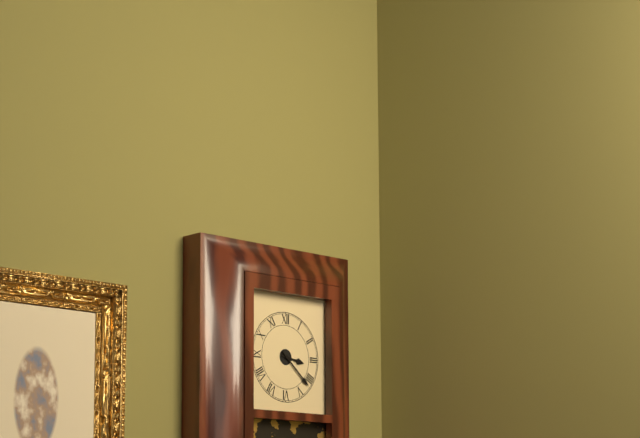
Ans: {"hour": 3, "minute": 22}
